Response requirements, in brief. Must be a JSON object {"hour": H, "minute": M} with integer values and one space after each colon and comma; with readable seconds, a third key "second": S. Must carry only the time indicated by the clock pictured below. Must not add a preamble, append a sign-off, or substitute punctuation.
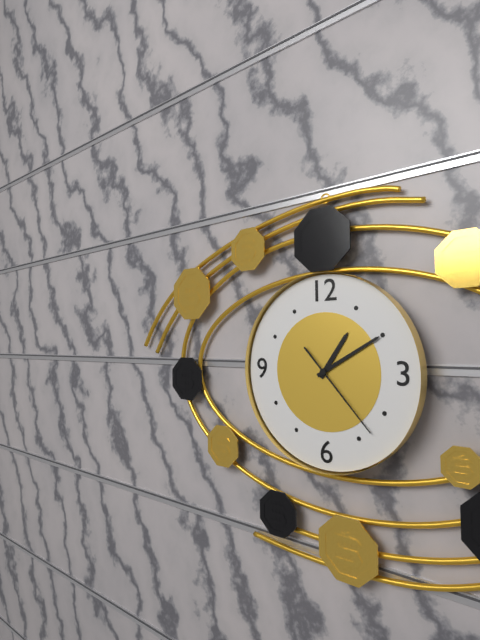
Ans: {"hour": 1, "minute": 10, "second": 23}
